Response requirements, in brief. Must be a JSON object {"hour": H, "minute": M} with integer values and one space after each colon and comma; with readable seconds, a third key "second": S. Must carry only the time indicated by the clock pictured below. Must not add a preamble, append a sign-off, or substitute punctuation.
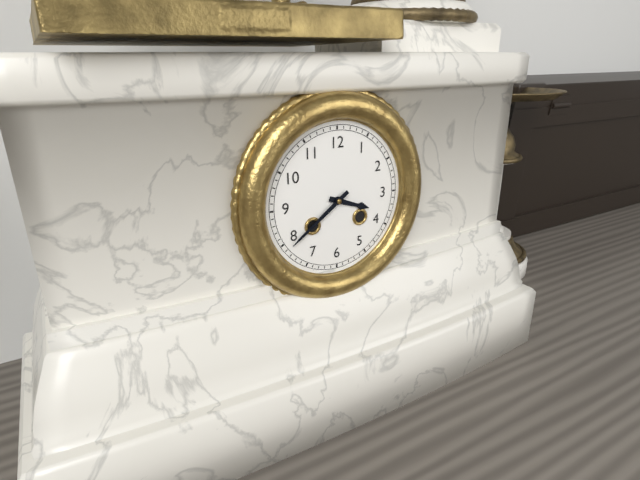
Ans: {"hour": 3, "minute": 39}
